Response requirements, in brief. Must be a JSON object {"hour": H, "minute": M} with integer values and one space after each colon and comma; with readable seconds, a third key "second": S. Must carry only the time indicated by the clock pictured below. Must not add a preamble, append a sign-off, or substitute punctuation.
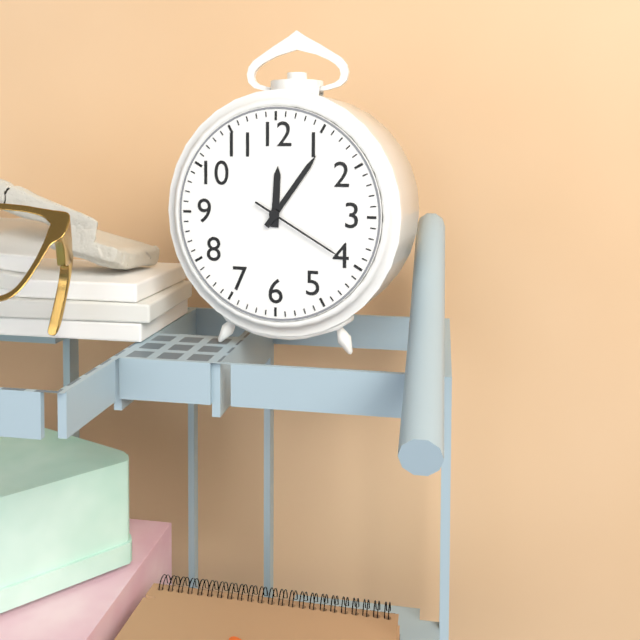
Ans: {"hour": 12, "minute": 6, "second": 20}
